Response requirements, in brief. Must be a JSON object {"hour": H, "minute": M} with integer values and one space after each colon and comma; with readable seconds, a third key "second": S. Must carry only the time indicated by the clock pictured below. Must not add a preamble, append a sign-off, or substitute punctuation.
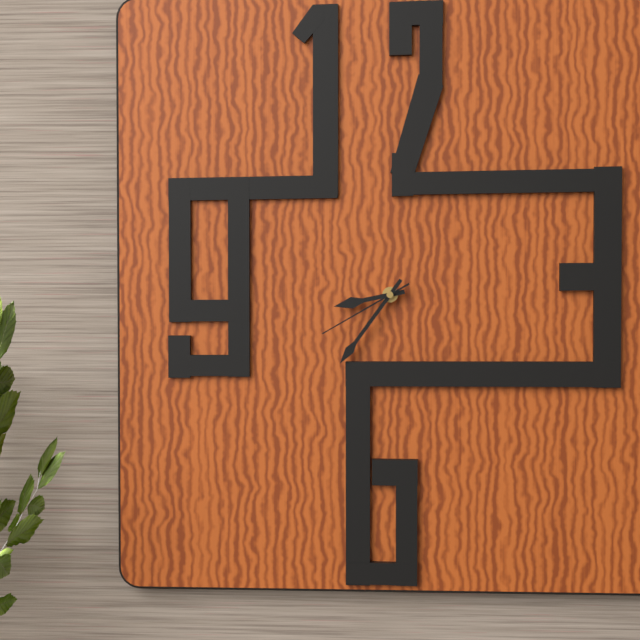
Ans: {"hour": 8, "minute": 36, "second": 40}
